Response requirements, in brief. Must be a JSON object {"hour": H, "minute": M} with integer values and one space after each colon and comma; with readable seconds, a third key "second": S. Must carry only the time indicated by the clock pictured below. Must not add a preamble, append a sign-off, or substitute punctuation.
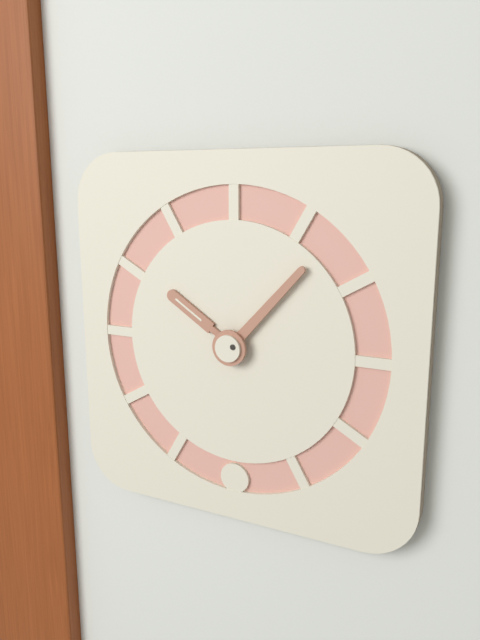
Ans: {"hour": 10, "minute": 7}
